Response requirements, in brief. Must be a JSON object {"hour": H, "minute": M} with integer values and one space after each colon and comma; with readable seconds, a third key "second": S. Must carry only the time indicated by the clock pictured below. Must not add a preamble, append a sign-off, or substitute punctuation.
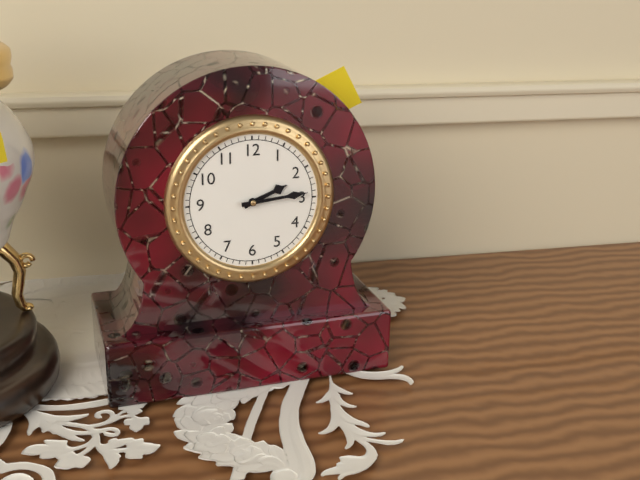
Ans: {"hour": 2, "minute": 14}
